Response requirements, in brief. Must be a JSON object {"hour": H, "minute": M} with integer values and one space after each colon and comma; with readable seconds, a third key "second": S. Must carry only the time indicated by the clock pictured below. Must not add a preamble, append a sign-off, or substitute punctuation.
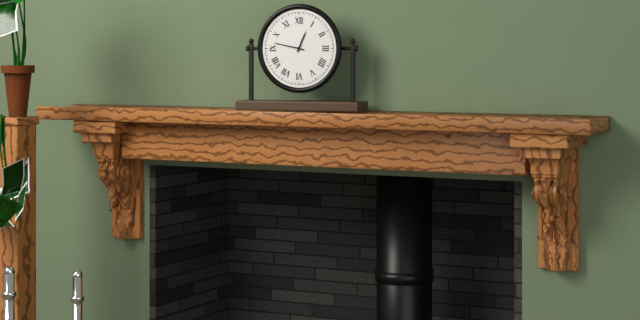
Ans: {"hour": 12, "minute": 47}
